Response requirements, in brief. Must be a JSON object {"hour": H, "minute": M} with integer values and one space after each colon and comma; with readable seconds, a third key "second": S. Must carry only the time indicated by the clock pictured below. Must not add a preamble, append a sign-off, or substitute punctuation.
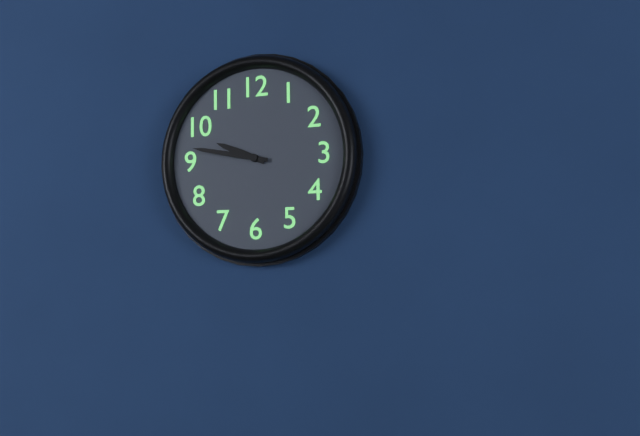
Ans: {"hour": 9, "minute": 47}
